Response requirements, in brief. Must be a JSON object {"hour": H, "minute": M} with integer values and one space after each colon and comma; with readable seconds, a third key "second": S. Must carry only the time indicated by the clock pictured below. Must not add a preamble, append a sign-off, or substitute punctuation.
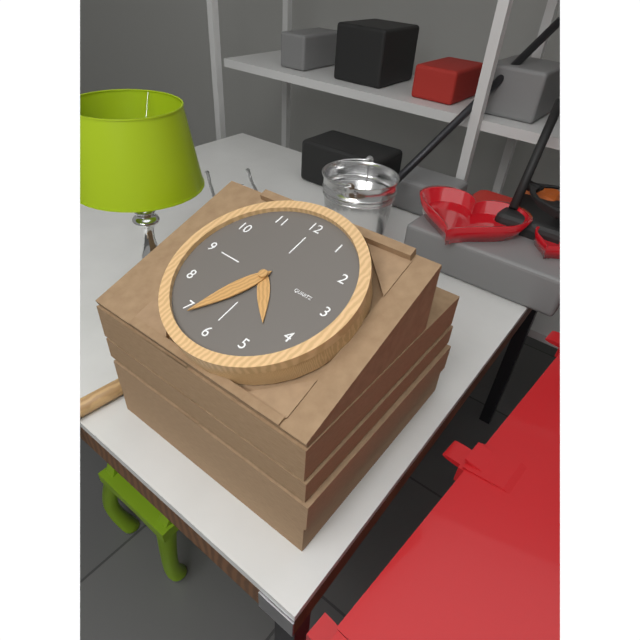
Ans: {"hour": 4, "minute": 34}
